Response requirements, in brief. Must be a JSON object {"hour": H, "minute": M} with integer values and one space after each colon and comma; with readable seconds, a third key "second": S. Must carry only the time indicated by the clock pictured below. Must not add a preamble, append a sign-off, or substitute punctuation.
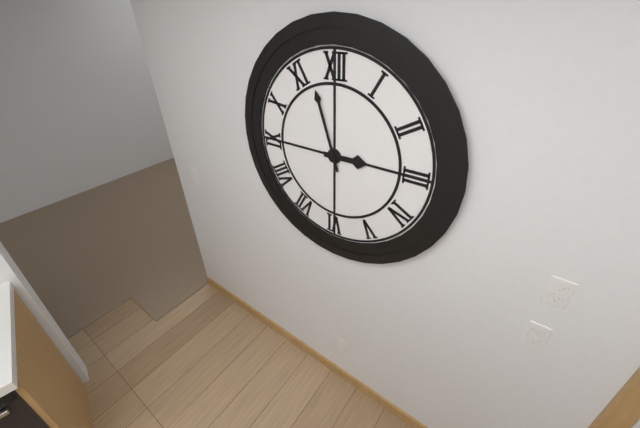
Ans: {"hour": 2, "minute": 57}
